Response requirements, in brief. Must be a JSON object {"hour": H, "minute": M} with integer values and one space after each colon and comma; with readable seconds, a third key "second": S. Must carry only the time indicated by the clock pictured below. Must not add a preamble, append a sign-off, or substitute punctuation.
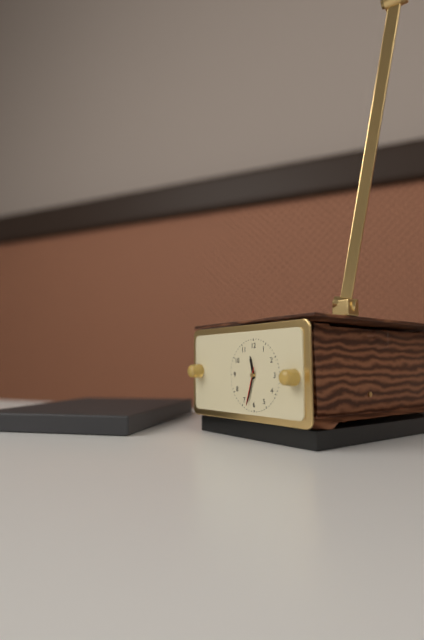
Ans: {"hour": 11, "minute": 33}
